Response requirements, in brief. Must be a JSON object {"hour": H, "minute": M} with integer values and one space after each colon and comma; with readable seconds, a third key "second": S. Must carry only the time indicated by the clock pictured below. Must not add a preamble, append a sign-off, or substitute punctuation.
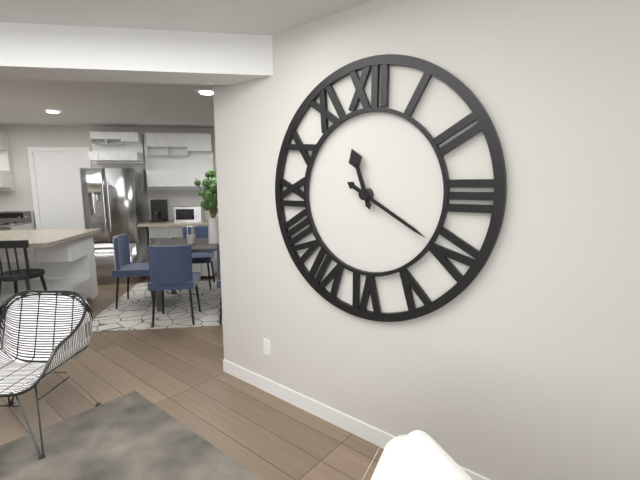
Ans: {"hour": 11, "minute": 20}
